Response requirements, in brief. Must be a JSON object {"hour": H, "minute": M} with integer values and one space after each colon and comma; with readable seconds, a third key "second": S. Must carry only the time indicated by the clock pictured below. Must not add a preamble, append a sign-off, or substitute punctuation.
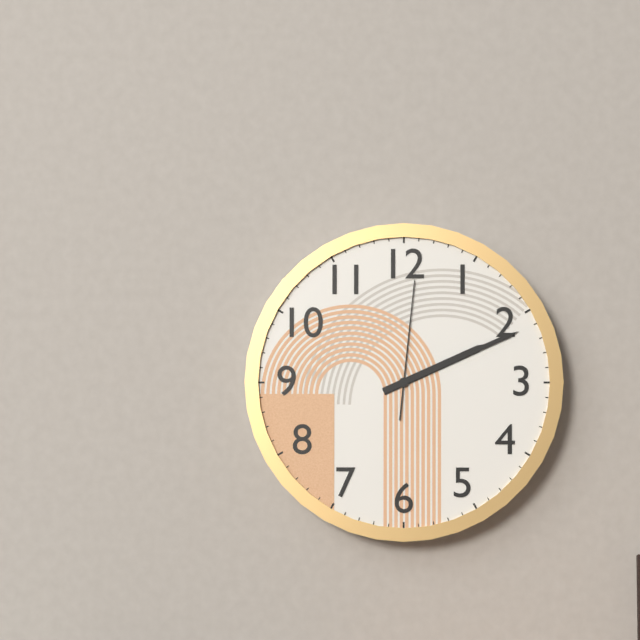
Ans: {"hour": 2, "minute": 11, "second": 1}
